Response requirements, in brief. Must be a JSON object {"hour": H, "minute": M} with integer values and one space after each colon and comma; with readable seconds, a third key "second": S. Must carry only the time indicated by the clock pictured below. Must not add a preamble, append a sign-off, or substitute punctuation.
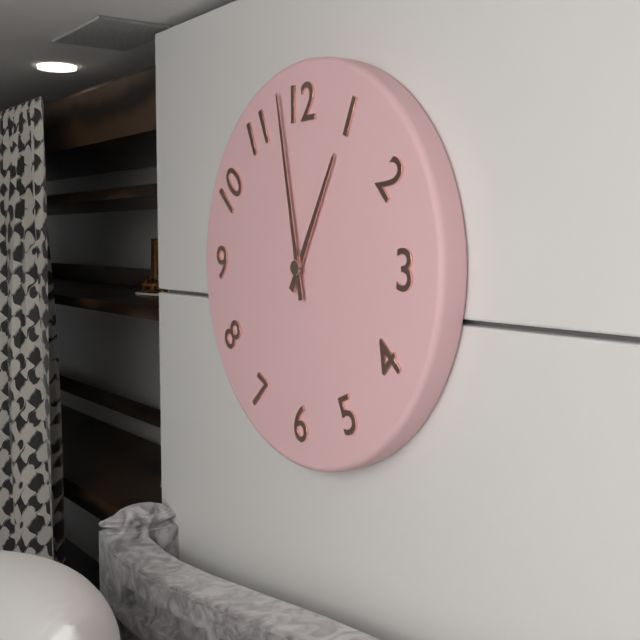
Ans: {"hour": 12, "minute": 58}
